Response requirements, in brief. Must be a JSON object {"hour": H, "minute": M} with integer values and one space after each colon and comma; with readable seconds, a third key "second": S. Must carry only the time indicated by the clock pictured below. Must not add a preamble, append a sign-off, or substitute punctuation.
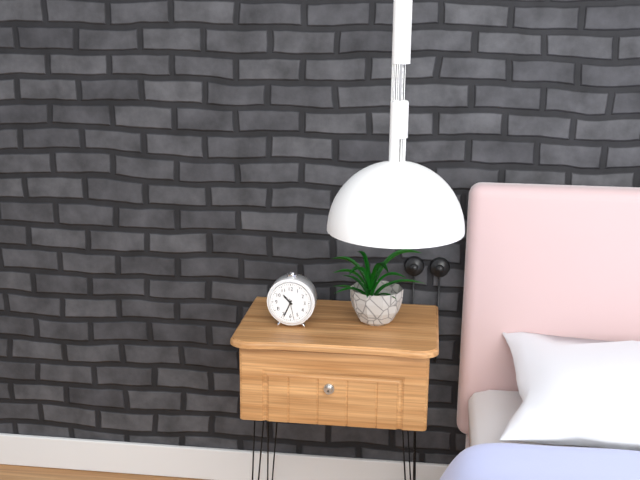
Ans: {"hour": 10, "minute": 34}
